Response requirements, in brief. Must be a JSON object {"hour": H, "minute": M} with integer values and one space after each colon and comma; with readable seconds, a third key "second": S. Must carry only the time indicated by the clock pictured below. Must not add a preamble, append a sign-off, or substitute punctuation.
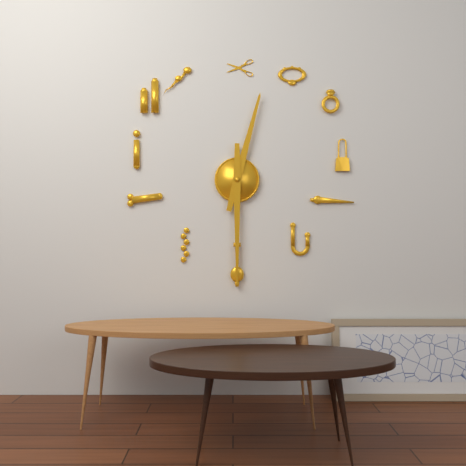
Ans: {"hour": 12, "minute": 30}
